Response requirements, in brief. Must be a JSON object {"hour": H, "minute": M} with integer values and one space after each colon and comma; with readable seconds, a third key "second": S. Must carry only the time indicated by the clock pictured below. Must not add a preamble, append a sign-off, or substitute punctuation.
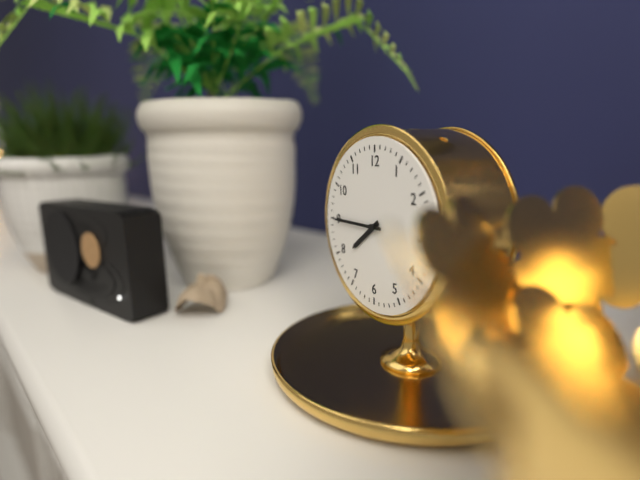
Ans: {"hour": 7, "minute": 45}
